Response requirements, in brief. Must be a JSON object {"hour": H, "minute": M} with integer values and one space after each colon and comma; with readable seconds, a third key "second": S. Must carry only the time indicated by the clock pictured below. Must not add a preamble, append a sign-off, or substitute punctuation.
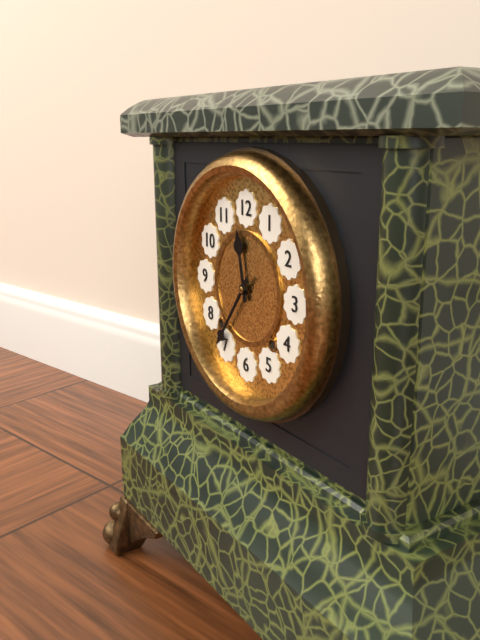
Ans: {"hour": 11, "minute": 36}
